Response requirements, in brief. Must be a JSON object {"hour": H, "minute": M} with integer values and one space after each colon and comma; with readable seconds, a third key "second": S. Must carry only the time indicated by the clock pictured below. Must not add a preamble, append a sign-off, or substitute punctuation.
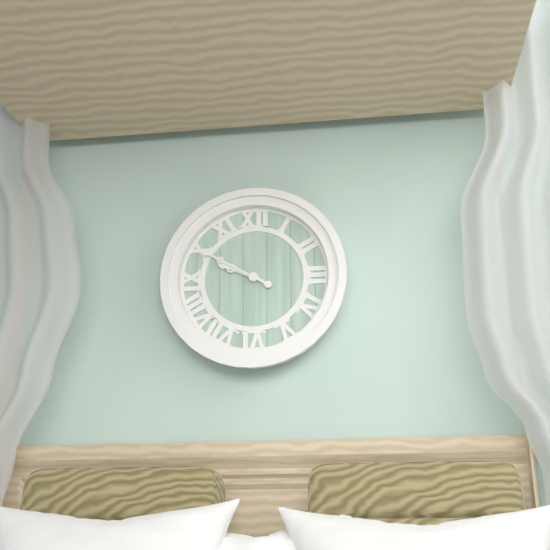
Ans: {"hour": 9, "minute": 50}
